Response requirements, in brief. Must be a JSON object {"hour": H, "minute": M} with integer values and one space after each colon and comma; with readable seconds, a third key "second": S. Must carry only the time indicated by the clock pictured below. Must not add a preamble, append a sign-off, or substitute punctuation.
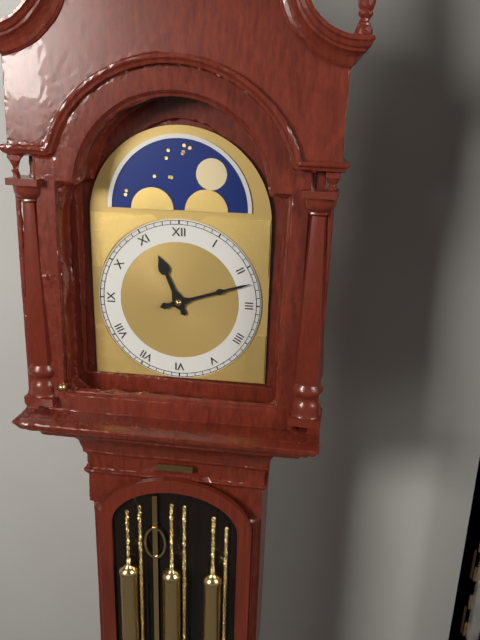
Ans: {"hour": 11, "minute": 12}
